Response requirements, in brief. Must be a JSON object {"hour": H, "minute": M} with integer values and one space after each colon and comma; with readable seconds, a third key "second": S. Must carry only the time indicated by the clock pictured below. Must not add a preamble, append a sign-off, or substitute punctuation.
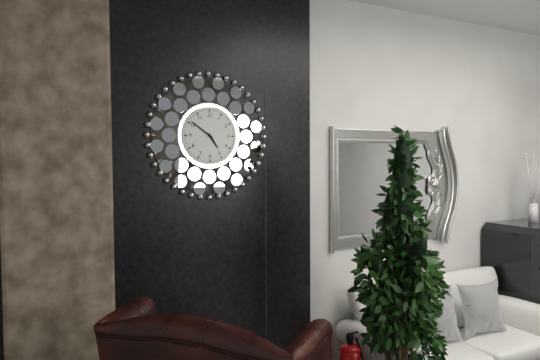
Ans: {"hour": 4, "minute": 51}
